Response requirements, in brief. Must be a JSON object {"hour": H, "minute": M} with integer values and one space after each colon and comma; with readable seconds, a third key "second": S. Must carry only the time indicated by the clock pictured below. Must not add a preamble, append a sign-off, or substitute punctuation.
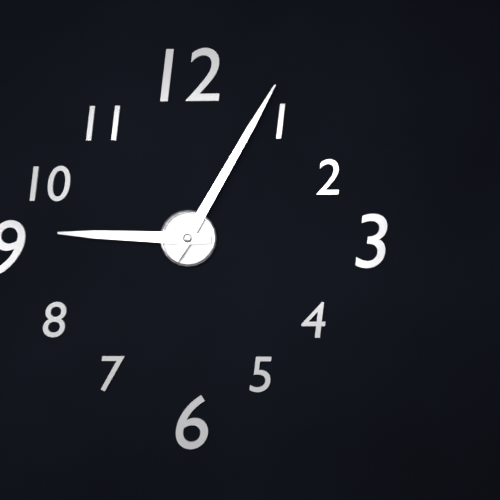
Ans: {"hour": 9, "minute": 5}
